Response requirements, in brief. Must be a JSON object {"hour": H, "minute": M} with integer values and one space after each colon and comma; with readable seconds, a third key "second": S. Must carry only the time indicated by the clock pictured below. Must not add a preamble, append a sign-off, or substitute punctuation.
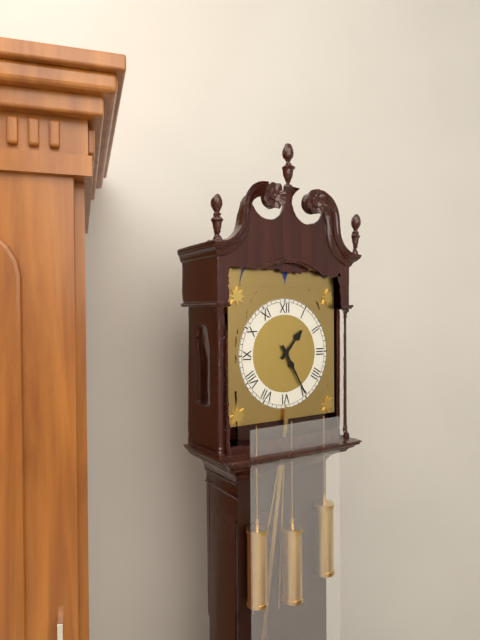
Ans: {"hour": 1, "minute": 25}
